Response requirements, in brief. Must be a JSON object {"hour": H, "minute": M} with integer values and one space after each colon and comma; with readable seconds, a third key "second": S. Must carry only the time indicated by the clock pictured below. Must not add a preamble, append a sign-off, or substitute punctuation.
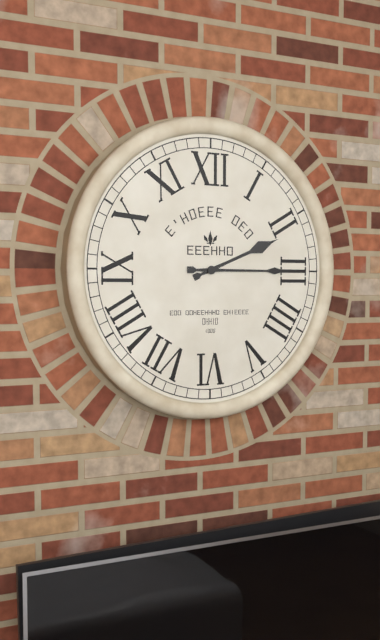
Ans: {"hour": 2, "minute": 15}
